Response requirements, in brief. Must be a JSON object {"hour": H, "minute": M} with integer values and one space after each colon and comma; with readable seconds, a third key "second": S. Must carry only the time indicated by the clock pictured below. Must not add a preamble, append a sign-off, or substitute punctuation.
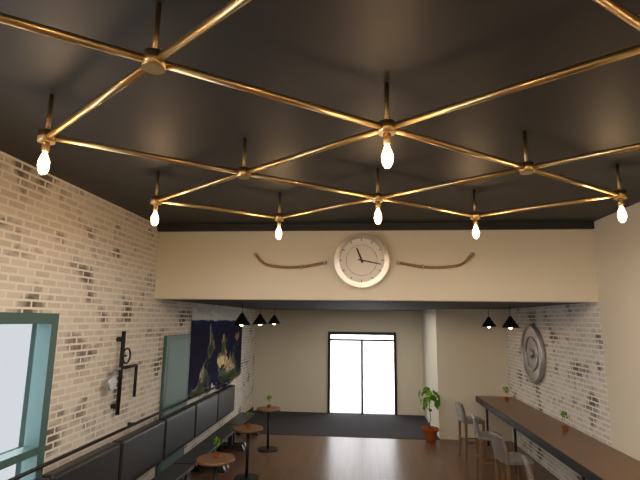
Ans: {"hour": 11, "minute": 17}
